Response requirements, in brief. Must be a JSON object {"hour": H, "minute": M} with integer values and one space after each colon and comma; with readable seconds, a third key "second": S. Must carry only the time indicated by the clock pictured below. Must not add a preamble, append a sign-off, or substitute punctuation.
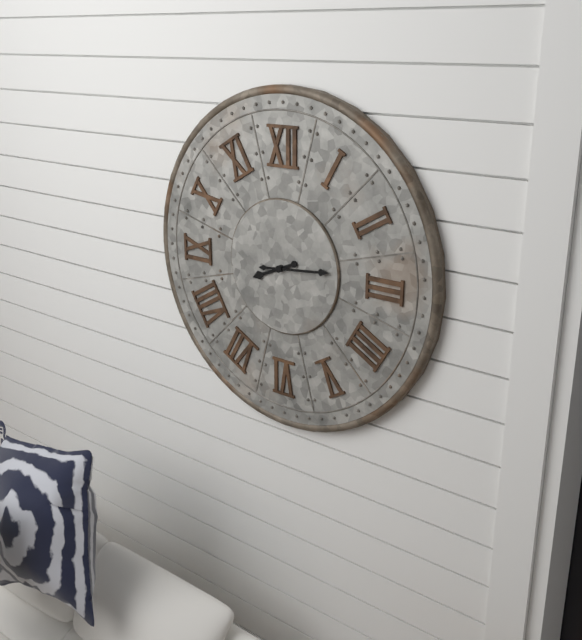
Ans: {"hour": 8, "minute": 14}
